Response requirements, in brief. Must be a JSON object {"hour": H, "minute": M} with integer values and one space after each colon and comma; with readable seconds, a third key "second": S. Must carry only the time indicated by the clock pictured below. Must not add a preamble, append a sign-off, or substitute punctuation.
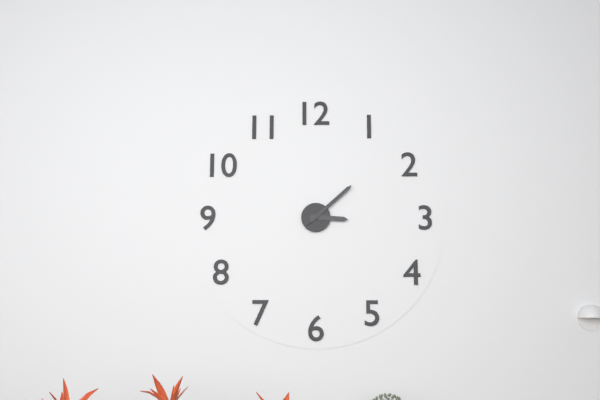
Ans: {"hour": 3, "minute": 8, "second": 8}
